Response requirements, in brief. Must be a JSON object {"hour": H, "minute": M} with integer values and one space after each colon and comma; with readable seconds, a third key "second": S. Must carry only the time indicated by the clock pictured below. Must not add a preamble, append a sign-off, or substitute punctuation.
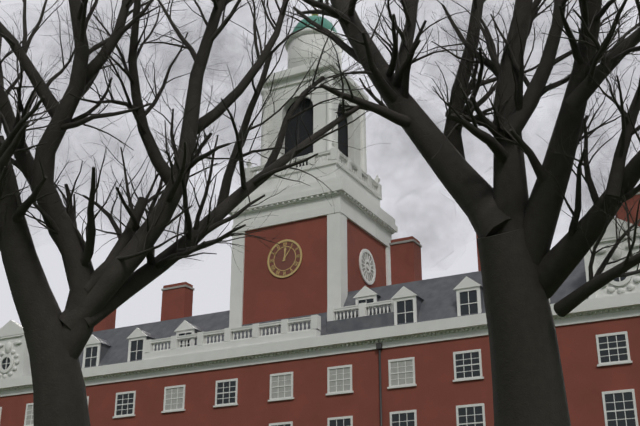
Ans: {"hour": 12, "minute": 6}
